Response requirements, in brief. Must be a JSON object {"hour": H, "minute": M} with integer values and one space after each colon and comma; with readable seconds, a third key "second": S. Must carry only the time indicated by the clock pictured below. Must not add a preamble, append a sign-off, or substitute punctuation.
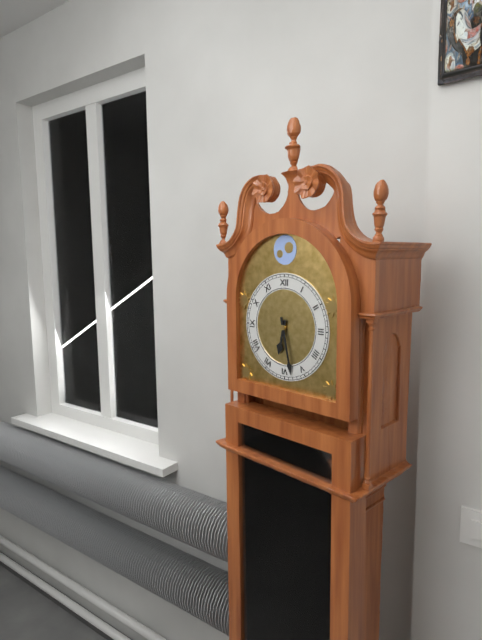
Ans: {"hour": 6, "minute": 28}
